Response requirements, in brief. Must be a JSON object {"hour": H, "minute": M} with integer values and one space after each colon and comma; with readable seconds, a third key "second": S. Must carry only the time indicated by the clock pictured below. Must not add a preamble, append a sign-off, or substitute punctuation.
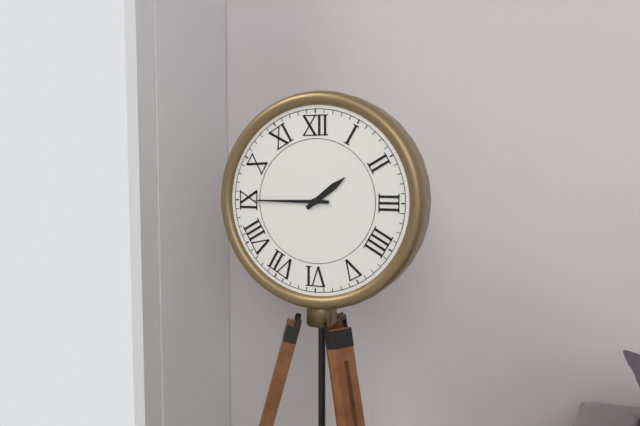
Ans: {"hour": 1, "minute": 45}
